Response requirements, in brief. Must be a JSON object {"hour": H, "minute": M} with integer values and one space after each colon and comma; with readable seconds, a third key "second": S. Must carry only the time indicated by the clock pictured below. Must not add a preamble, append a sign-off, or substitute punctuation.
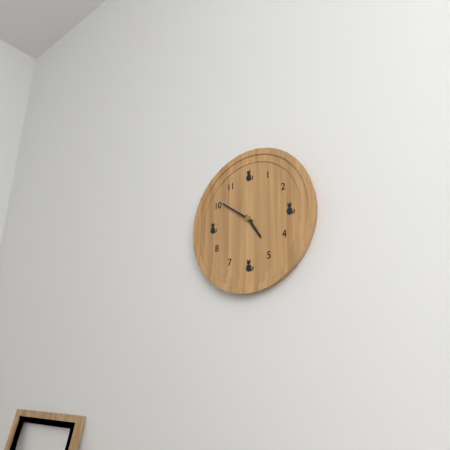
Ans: {"hour": 4, "minute": 51}
